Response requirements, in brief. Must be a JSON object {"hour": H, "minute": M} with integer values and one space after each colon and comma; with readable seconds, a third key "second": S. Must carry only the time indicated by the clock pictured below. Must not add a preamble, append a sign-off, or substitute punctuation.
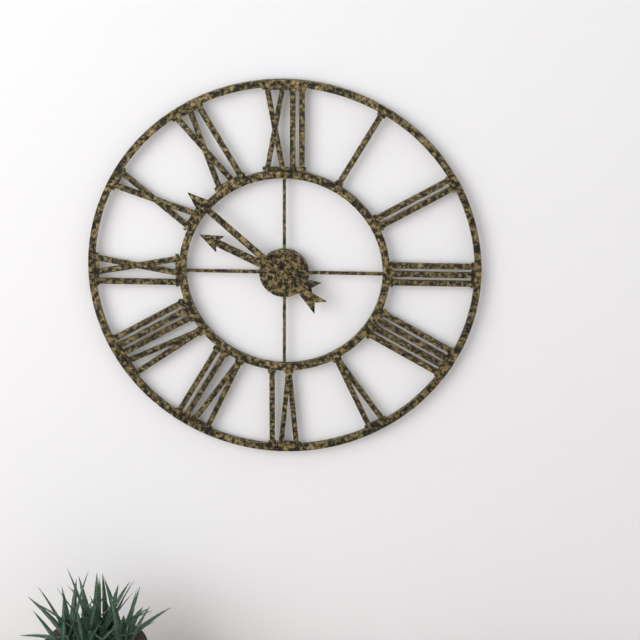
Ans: {"hour": 9, "minute": 52}
